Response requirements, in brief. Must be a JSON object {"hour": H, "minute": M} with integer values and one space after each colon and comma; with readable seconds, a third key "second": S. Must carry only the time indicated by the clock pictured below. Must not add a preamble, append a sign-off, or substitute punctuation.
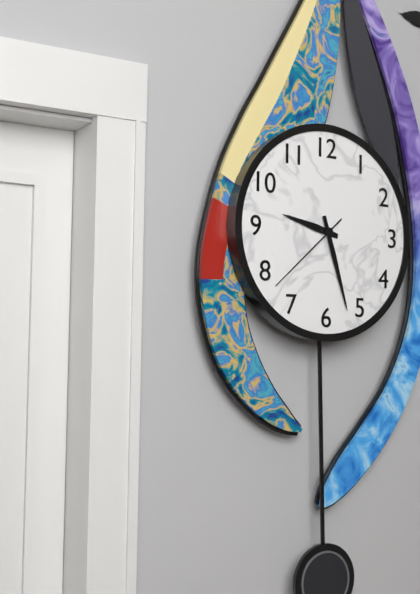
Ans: {"hour": 9, "minute": 27, "second": 38}
